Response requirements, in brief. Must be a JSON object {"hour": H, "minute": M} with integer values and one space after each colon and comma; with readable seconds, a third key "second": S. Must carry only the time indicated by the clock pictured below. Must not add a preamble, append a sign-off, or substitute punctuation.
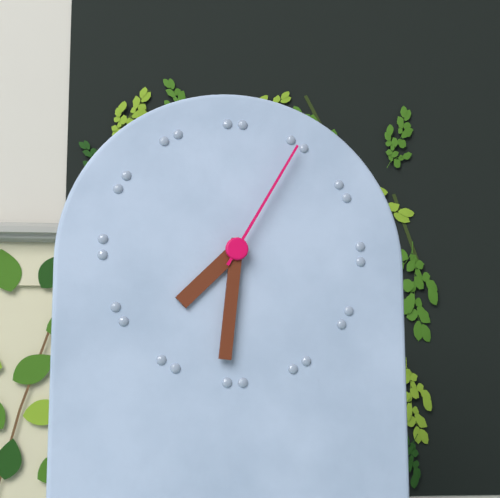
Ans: {"hour": 7, "minute": 31, "second": 5}
